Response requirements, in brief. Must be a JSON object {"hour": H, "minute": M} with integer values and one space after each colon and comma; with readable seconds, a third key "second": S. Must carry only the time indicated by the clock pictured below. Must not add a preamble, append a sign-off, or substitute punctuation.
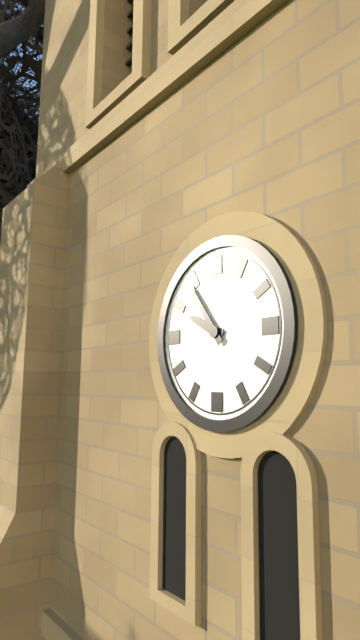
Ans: {"hour": 9, "minute": 54}
